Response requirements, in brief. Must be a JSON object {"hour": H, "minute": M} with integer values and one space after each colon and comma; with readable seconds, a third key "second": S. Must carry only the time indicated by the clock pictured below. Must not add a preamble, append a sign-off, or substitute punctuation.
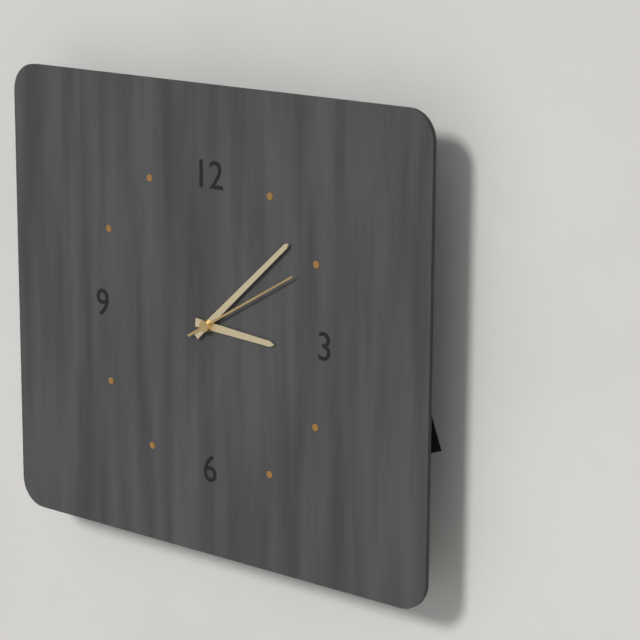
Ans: {"hour": 3, "minute": 8, "second": 10}
